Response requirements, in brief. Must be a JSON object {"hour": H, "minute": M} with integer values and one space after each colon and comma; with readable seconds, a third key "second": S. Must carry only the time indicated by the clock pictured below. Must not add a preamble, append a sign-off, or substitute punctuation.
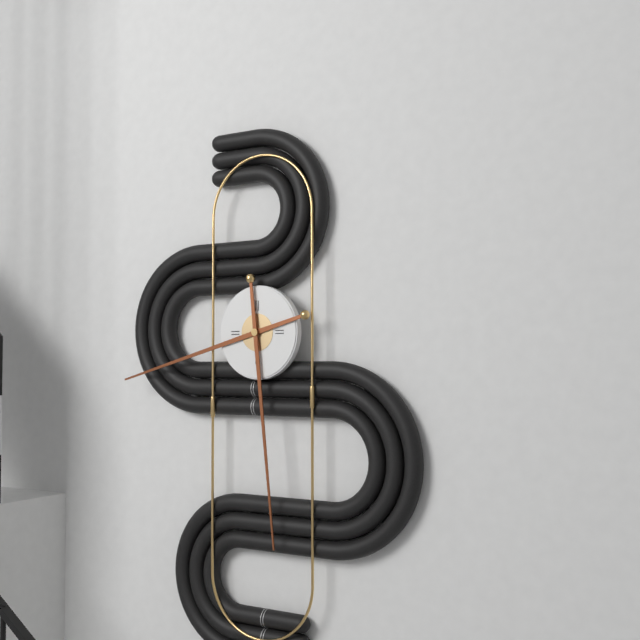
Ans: {"hour": 8, "minute": 29}
